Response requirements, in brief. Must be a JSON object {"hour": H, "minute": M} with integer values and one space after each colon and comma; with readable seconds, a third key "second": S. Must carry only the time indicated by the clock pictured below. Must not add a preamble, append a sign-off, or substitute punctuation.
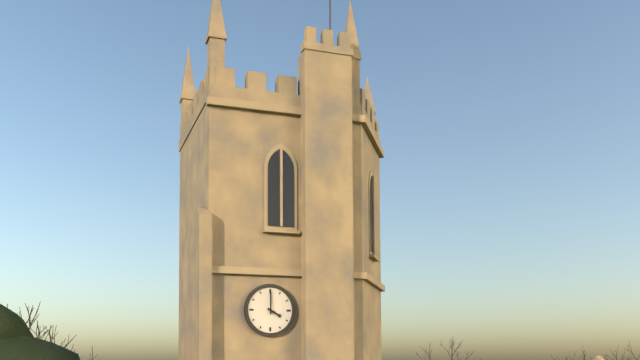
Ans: {"hour": 4, "minute": 0}
